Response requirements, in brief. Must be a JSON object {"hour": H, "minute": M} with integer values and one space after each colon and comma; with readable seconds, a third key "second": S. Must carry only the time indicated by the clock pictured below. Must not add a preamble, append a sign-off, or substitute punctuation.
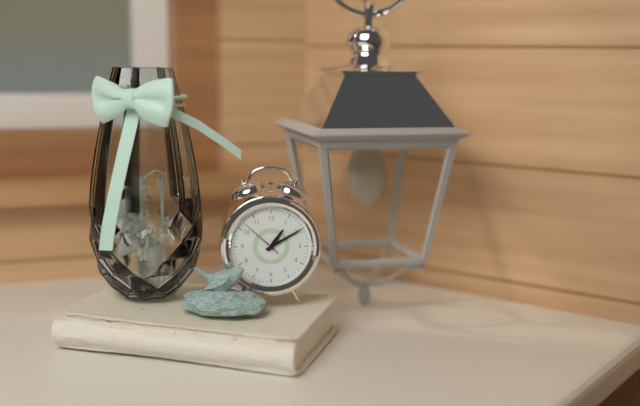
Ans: {"hour": 1, "minute": 10}
